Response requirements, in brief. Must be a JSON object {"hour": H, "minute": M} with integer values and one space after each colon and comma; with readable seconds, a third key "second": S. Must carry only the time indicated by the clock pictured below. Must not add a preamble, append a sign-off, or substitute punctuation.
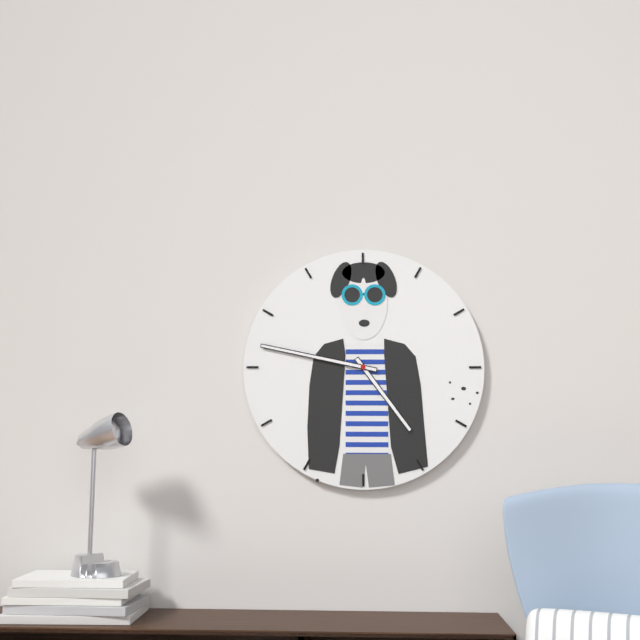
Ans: {"hour": 4, "minute": 47}
